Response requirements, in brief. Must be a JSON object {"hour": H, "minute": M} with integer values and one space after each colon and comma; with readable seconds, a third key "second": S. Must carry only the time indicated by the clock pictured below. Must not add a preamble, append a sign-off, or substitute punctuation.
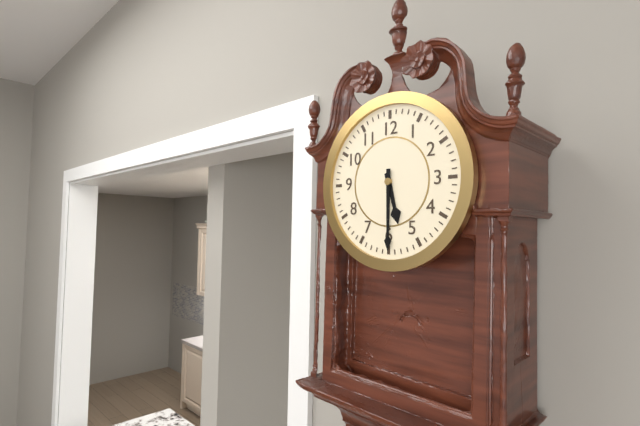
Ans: {"hour": 5, "minute": 30}
